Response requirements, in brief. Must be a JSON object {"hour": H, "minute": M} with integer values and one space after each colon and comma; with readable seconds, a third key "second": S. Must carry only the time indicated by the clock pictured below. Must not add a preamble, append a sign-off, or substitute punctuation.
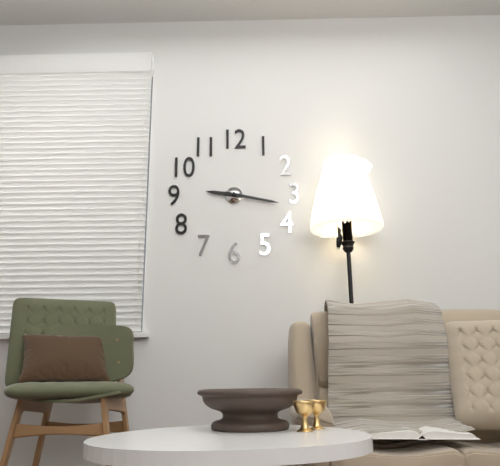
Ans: {"hour": 9, "minute": 17}
